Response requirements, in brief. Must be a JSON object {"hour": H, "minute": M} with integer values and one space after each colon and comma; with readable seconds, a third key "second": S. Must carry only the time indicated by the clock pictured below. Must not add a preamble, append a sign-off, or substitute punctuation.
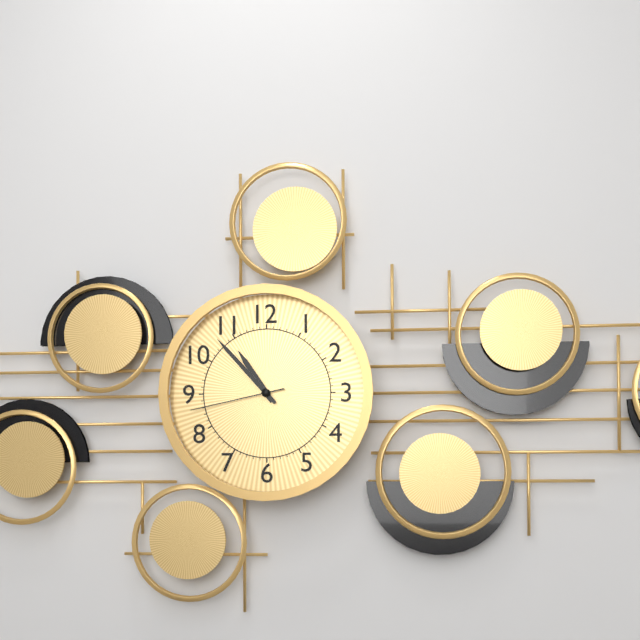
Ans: {"hour": 10, "minute": 53, "second": 43}
